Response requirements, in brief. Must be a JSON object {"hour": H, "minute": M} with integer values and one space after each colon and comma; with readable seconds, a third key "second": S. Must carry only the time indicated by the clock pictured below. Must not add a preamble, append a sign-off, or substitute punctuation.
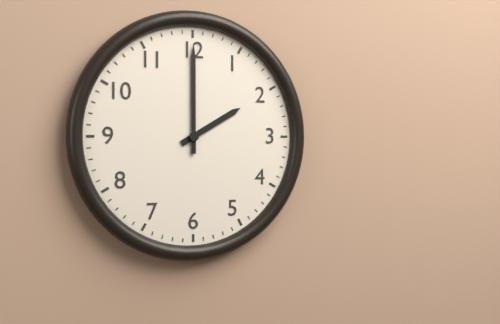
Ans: {"hour": 2, "minute": 0}
